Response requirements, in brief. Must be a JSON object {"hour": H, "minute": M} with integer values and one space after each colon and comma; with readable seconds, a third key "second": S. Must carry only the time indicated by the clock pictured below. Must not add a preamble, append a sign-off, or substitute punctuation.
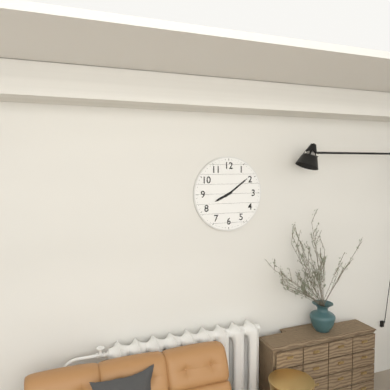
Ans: {"hour": 8, "minute": 9}
